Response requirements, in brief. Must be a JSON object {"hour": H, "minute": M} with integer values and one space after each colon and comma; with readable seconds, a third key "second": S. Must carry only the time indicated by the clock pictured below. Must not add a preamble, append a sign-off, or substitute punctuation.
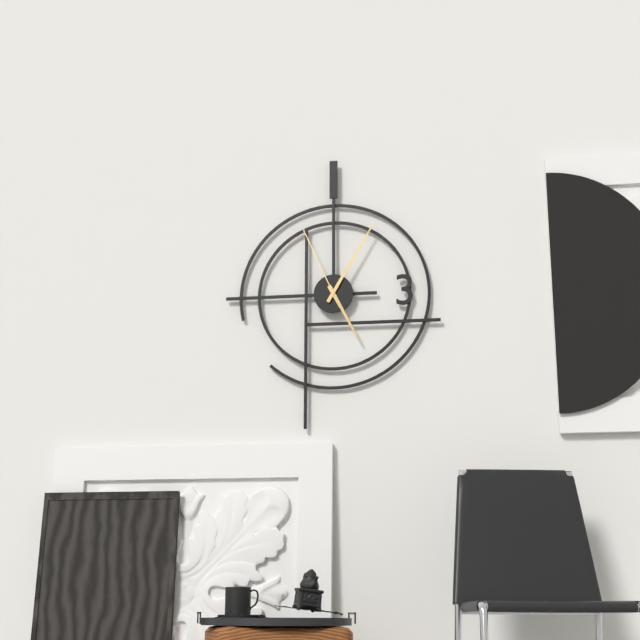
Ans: {"hour": 5, "minute": 5, "second": 56}
